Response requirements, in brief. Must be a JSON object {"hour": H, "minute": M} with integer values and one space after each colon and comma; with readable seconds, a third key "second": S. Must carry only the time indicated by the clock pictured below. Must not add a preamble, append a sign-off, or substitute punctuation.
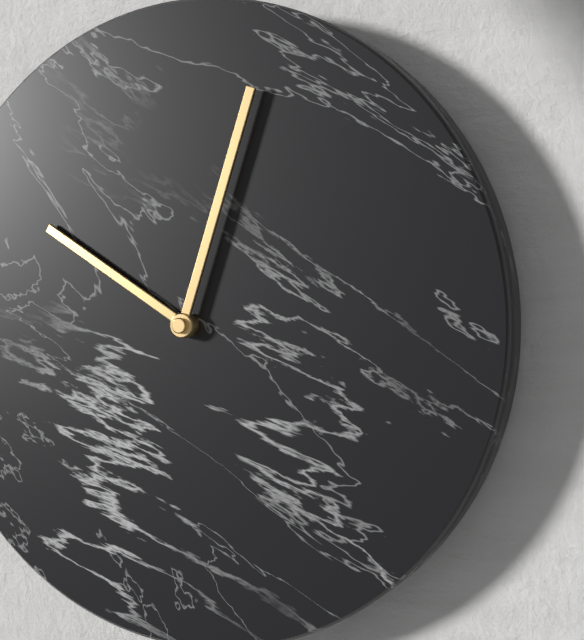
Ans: {"hour": 10, "minute": 3}
